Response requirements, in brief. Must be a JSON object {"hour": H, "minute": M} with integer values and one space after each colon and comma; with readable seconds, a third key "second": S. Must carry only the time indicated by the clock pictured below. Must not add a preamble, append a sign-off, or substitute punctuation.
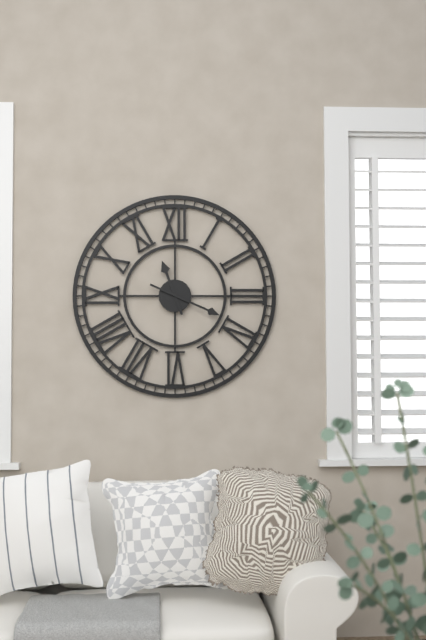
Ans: {"hour": 11, "minute": 19}
